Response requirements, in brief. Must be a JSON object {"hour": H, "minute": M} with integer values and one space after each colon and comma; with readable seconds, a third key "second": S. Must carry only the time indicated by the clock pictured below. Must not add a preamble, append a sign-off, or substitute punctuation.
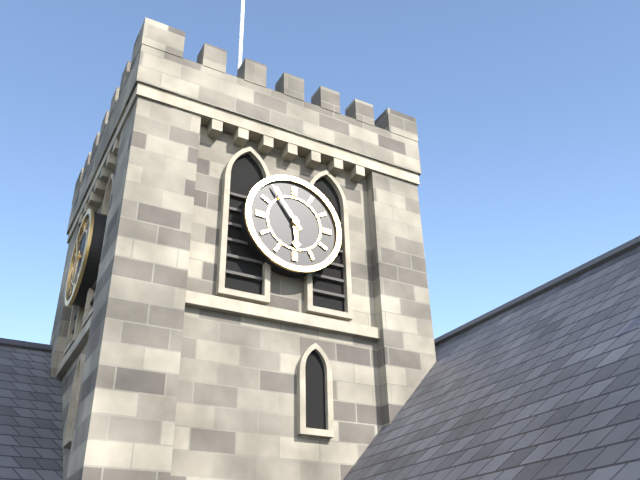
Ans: {"hour": 5, "minute": 54}
